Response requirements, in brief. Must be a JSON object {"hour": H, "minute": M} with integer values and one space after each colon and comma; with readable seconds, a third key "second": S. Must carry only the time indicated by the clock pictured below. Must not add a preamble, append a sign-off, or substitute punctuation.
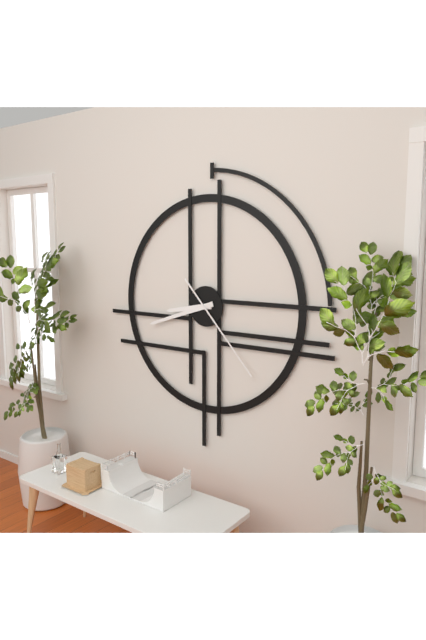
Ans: {"hour": 8, "minute": 42, "second": 23}
